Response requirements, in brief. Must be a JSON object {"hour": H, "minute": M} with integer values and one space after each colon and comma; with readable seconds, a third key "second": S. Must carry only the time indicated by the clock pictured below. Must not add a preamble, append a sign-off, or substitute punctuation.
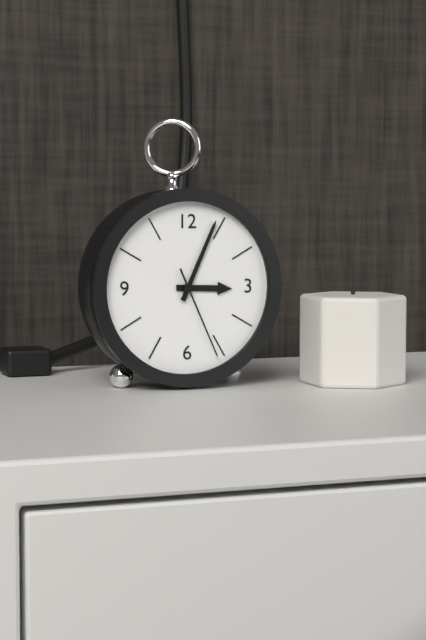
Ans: {"hour": 3, "minute": 4, "second": 26}
